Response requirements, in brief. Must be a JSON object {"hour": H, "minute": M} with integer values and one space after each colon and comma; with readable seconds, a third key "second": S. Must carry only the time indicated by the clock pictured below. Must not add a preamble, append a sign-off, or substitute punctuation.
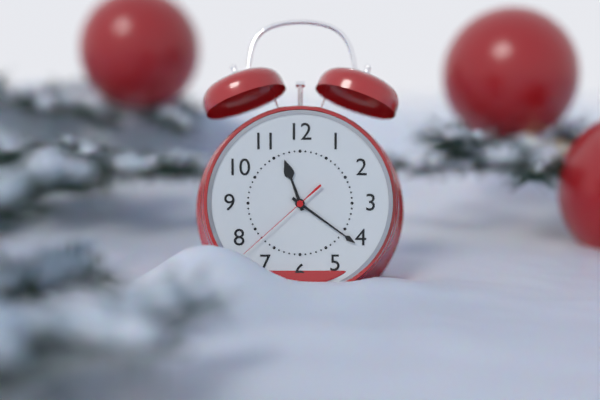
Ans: {"hour": 11, "minute": 21, "second": 38}
